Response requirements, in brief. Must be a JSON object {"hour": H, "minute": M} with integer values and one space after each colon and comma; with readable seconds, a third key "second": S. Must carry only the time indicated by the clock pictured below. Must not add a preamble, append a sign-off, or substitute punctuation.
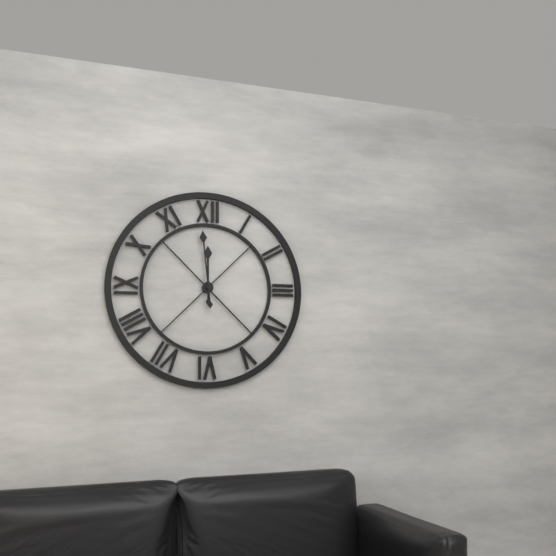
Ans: {"hour": 11, "minute": 59}
